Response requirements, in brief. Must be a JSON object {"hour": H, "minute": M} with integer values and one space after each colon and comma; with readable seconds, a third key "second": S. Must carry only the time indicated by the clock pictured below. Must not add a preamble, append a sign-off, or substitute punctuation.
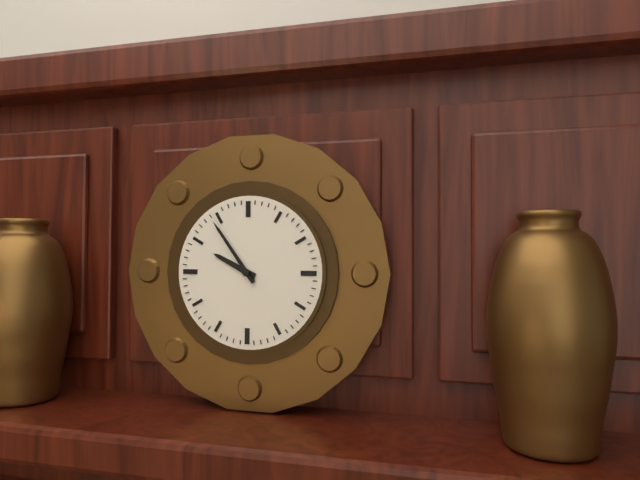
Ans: {"hour": 9, "minute": 54}
